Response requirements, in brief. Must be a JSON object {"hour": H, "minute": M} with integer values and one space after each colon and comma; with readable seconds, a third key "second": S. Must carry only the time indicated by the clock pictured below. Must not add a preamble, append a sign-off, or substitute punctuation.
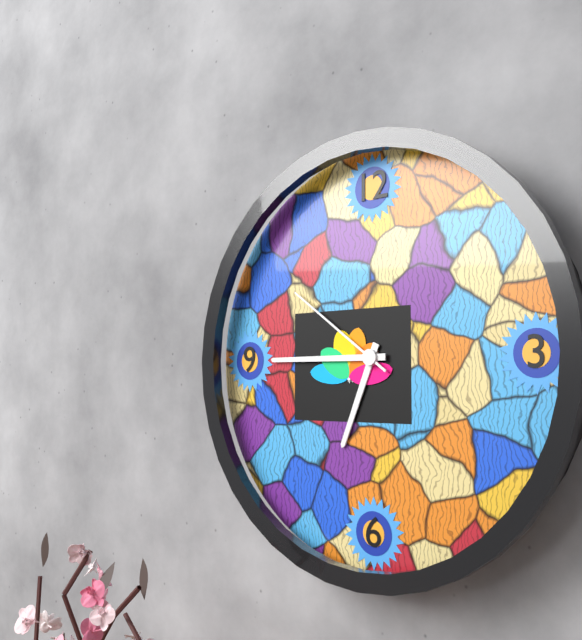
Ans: {"hour": 6, "minute": 45, "second": 51}
